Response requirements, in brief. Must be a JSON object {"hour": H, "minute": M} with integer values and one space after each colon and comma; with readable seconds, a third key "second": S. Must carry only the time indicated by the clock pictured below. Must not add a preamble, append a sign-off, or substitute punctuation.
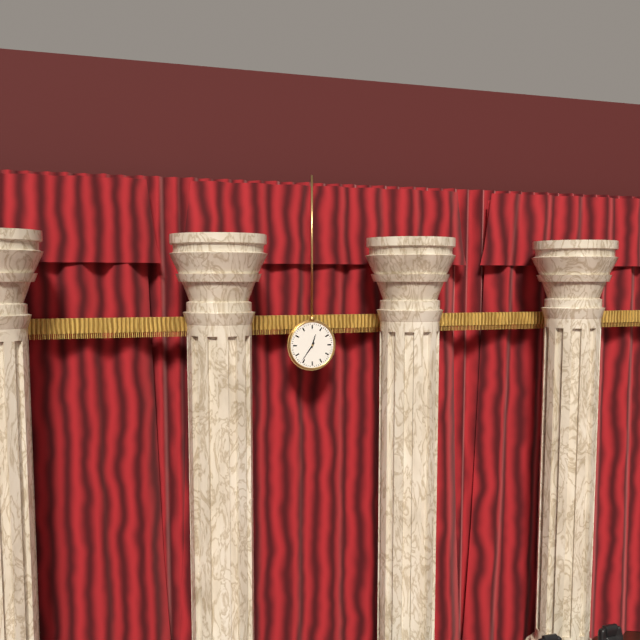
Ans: {"hour": 12, "minute": 36}
